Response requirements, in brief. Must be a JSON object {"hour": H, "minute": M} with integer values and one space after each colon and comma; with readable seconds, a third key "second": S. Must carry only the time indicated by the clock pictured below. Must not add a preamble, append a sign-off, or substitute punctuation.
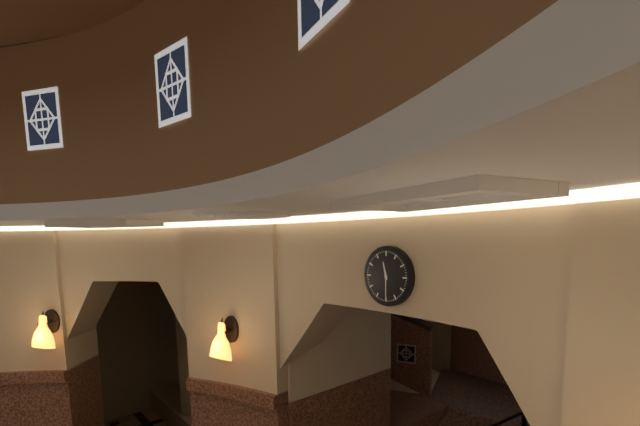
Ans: {"hour": 11, "minute": 30}
